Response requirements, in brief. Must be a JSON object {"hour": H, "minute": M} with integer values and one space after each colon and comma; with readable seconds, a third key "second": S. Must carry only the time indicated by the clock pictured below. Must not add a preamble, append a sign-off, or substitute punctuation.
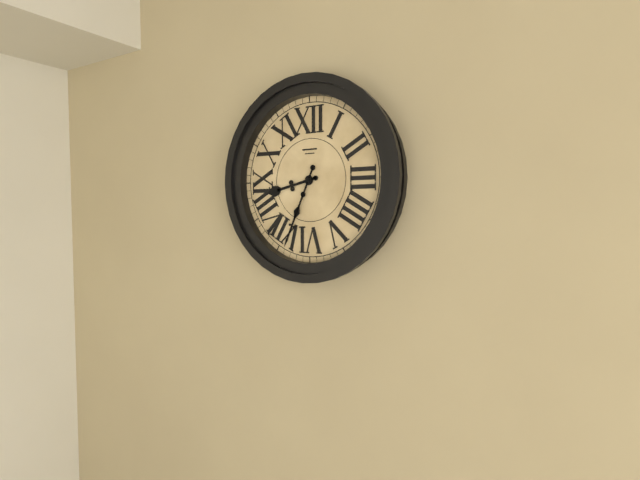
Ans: {"hour": 8, "minute": 34}
